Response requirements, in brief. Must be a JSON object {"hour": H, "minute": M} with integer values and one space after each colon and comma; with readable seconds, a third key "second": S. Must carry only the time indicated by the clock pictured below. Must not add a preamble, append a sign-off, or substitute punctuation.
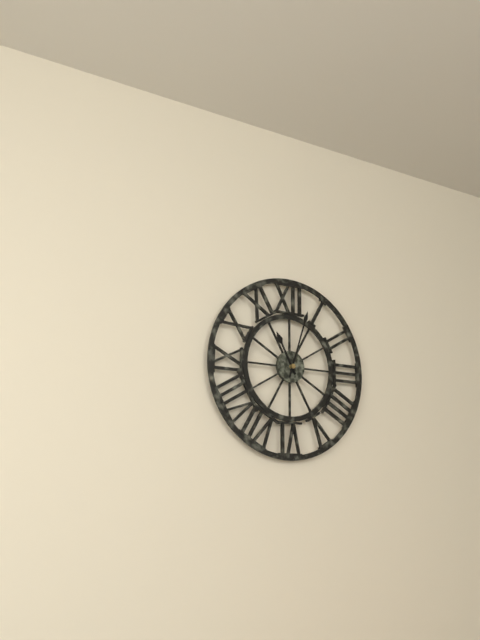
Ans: {"hour": 11, "minute": 3}
